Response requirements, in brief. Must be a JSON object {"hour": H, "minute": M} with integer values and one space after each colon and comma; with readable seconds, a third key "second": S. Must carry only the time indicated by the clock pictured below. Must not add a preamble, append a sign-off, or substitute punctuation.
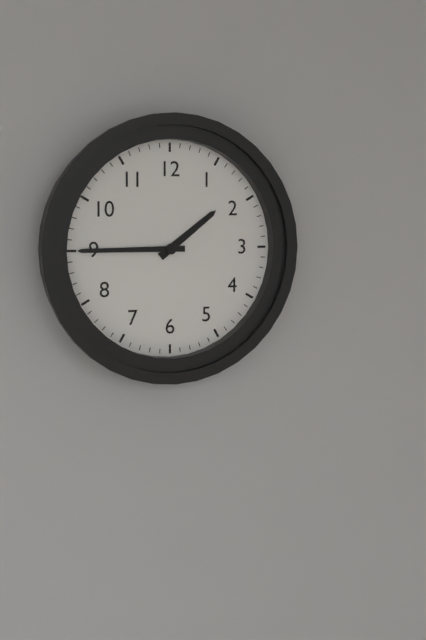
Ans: {"hour": 1, "minute": 45}
